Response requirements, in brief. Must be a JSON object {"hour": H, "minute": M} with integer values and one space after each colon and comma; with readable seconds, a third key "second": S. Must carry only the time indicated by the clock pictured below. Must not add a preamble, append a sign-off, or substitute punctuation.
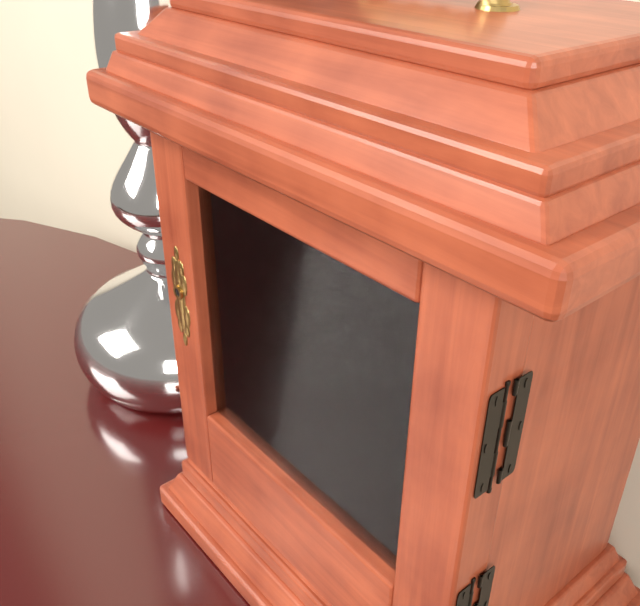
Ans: {"hour": 4, "minute": 39}
